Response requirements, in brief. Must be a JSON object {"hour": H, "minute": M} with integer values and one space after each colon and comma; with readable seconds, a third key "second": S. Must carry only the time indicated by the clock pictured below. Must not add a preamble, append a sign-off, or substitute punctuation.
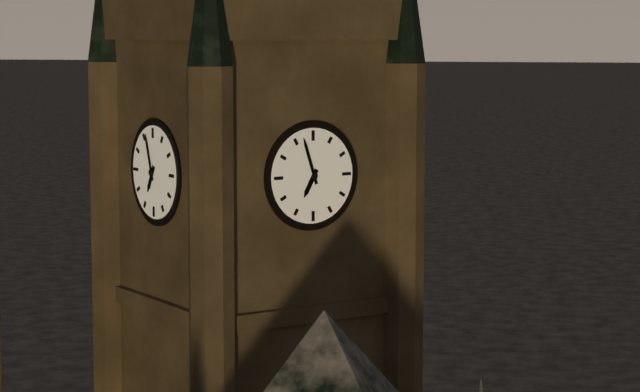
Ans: {"hour": 6, "minute": 57}
